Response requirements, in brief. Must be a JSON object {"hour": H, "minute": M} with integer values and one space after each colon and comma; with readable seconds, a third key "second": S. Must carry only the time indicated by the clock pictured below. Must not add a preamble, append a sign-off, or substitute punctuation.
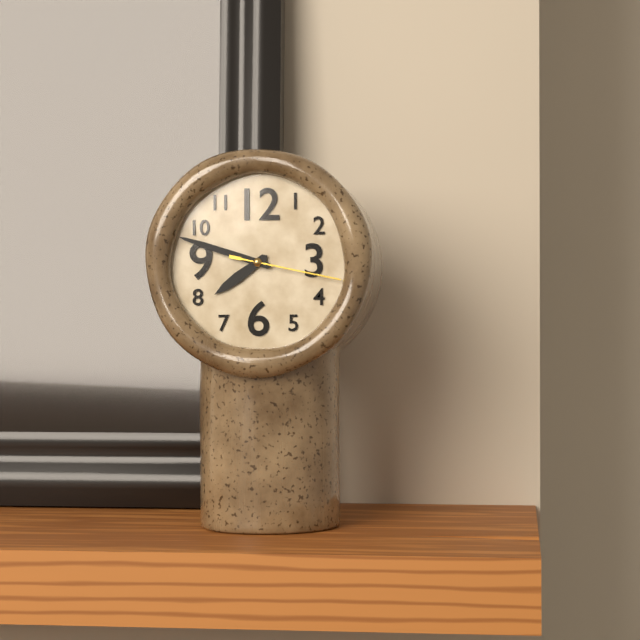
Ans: {"hour": 7, "minute": 48, "second": 17}
